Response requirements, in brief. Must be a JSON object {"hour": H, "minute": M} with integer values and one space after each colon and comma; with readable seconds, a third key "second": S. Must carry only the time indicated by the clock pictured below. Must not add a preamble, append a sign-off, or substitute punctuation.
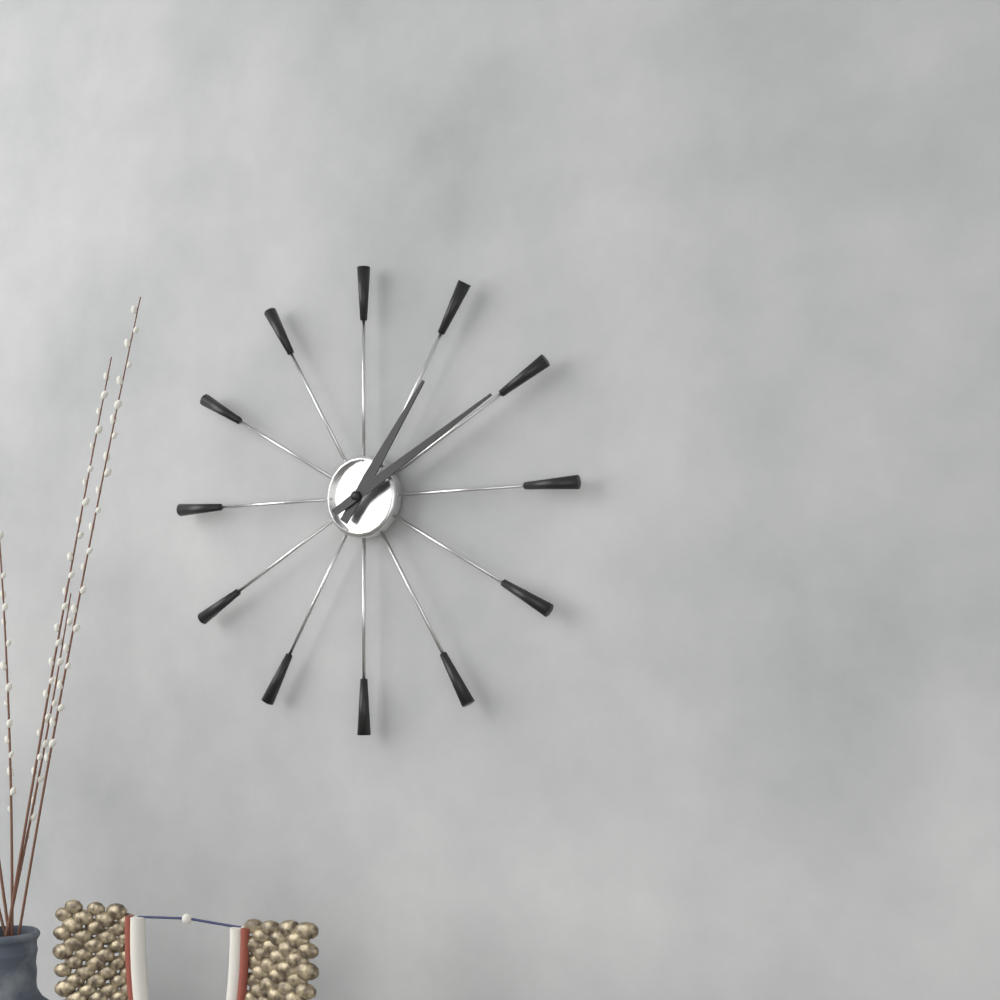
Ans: {"hour": 1, "minute": 10}
